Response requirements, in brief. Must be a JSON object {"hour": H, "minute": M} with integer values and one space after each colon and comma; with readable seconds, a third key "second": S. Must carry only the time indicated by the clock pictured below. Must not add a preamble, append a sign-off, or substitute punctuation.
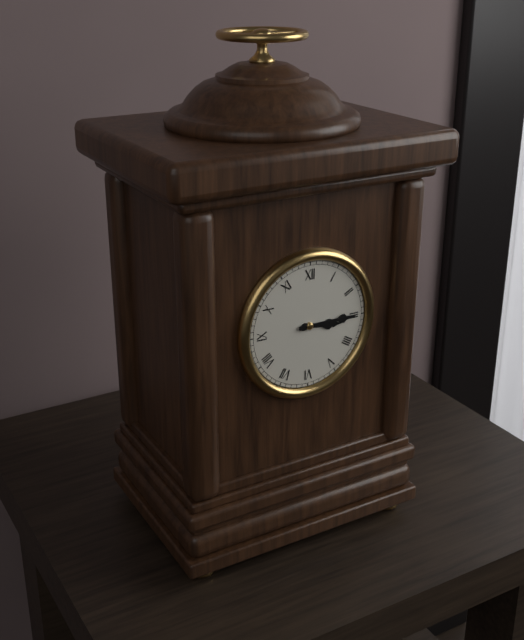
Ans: {"hour": 3, "minute": 15}
